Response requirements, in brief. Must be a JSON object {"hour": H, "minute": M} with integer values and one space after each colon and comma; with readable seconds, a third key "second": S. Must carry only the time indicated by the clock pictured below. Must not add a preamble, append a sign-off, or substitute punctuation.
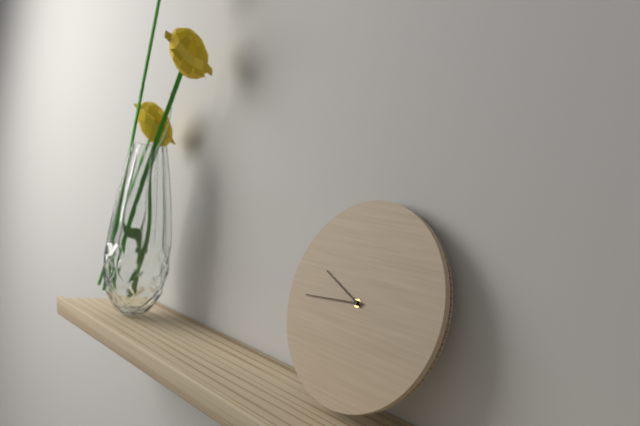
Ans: {"hour": 9, "minute": 44}
